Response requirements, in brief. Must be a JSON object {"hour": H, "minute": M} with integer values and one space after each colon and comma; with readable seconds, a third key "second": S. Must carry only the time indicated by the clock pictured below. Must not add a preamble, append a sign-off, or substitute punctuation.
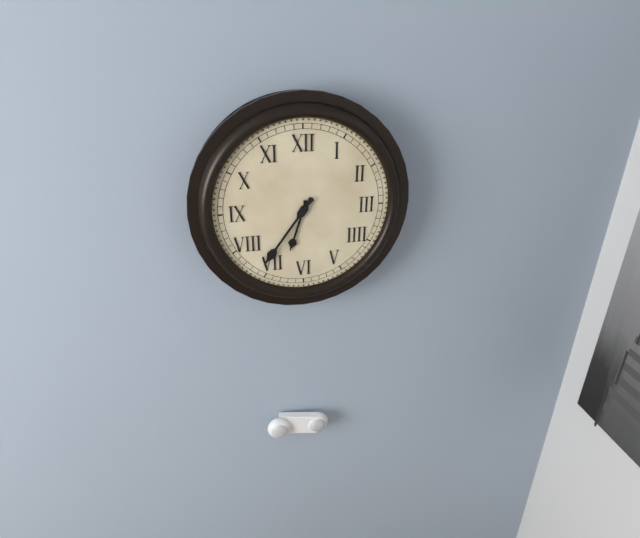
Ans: {"hour": 6, "minute": 36}
